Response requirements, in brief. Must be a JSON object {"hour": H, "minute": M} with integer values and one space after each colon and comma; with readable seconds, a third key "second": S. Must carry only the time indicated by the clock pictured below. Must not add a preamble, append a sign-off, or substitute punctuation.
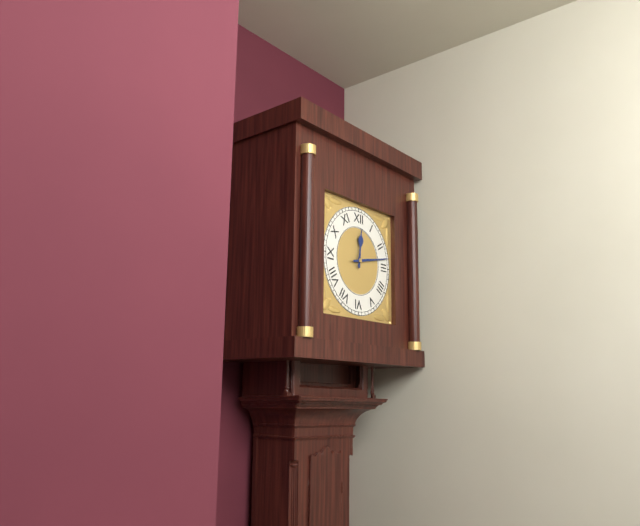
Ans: {"hour": 12, "minute": 13}
